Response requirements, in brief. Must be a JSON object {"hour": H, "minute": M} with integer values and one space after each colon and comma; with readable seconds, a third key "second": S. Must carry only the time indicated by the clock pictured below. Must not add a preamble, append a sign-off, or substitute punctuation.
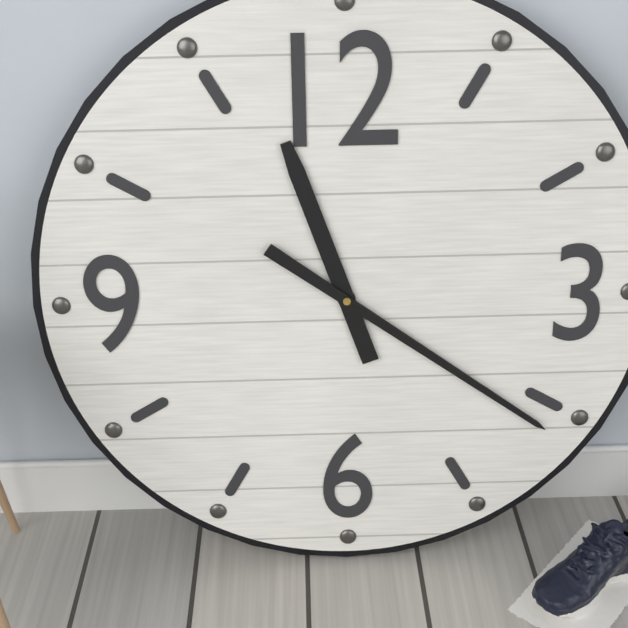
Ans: {"hour": 11, "minute": 21}
